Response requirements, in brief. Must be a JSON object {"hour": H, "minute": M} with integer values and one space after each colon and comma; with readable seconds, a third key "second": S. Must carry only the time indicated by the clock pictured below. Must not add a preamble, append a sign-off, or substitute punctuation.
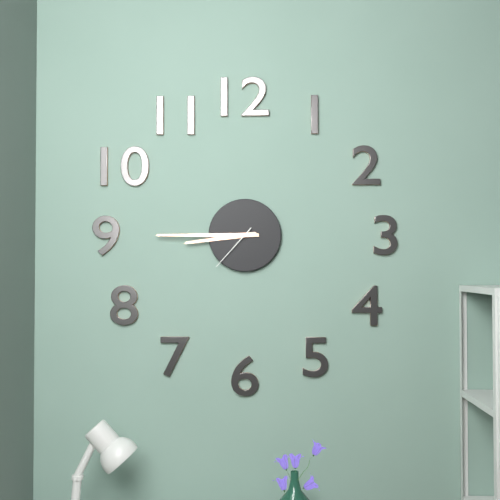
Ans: {"hour": 8, "minute": 45, "second": 37}
